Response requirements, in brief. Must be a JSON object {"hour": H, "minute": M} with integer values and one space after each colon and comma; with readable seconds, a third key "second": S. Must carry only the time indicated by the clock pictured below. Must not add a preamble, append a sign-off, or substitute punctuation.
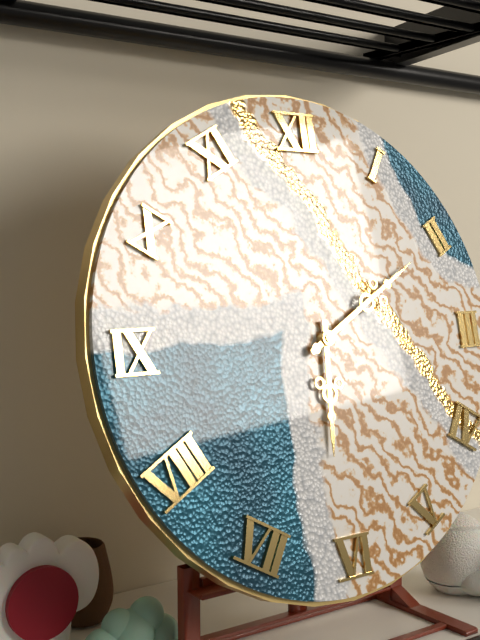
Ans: {"hour": 6, "minute": 10}
